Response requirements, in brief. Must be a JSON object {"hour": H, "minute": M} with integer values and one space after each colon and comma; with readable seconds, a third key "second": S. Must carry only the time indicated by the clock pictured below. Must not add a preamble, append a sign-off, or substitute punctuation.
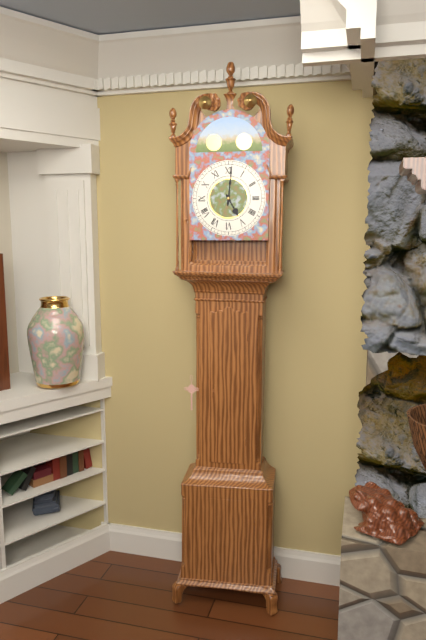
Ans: {"hour": 5, "minute": 1}
